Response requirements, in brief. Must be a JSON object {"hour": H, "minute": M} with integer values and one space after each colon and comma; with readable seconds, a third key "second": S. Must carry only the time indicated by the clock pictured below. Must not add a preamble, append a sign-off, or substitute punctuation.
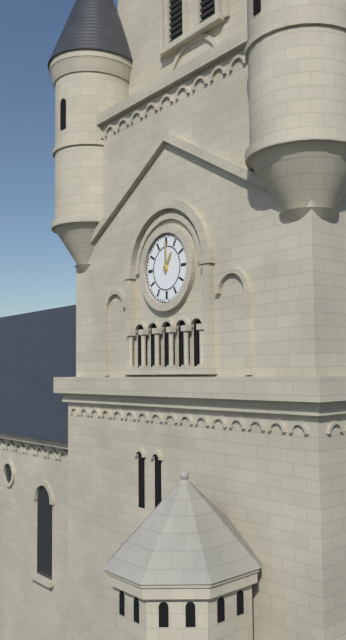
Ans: {"hour": 1, "minute": 0}
